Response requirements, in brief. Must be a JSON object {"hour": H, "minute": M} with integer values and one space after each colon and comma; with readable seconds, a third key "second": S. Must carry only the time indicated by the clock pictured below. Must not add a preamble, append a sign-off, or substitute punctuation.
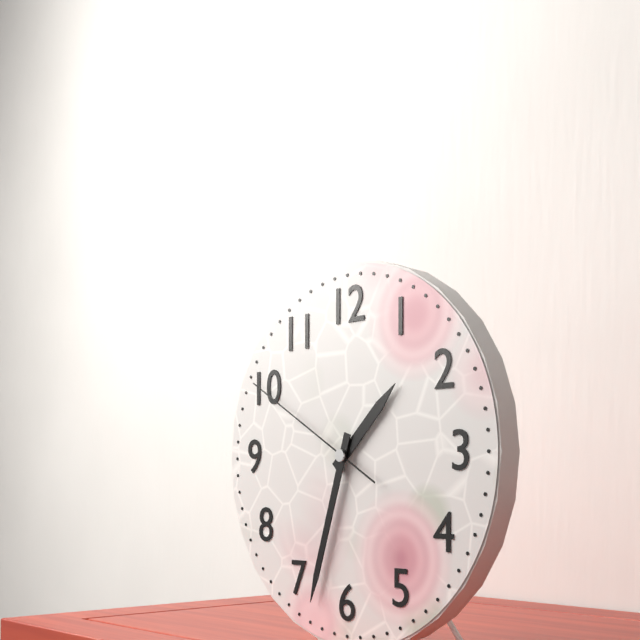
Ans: {"hour": 1, "minute": 33, "second": 50}
